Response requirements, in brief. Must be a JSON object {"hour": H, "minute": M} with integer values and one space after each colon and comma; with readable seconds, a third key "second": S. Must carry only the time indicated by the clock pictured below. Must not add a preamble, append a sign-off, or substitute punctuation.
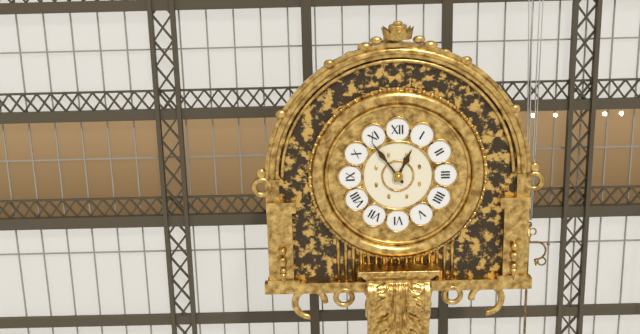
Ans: {"hour": 12, "minute": 54}
